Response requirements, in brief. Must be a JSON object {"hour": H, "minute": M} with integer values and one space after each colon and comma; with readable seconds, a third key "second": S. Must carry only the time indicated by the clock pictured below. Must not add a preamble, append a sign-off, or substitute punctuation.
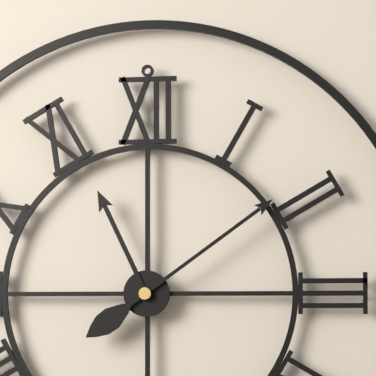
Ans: {"hour": 11, "minute": 9}
